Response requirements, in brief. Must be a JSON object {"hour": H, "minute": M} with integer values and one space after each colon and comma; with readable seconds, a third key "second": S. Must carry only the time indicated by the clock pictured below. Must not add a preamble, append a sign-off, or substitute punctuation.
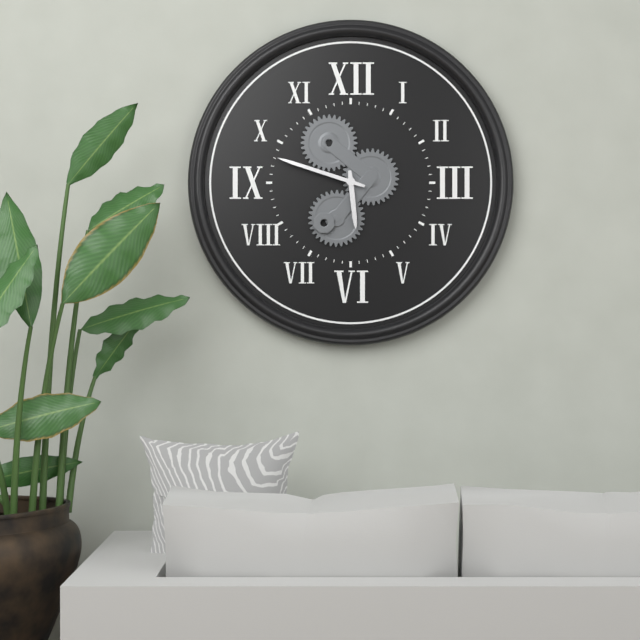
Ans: {"hour": 5, "minute": 48}
